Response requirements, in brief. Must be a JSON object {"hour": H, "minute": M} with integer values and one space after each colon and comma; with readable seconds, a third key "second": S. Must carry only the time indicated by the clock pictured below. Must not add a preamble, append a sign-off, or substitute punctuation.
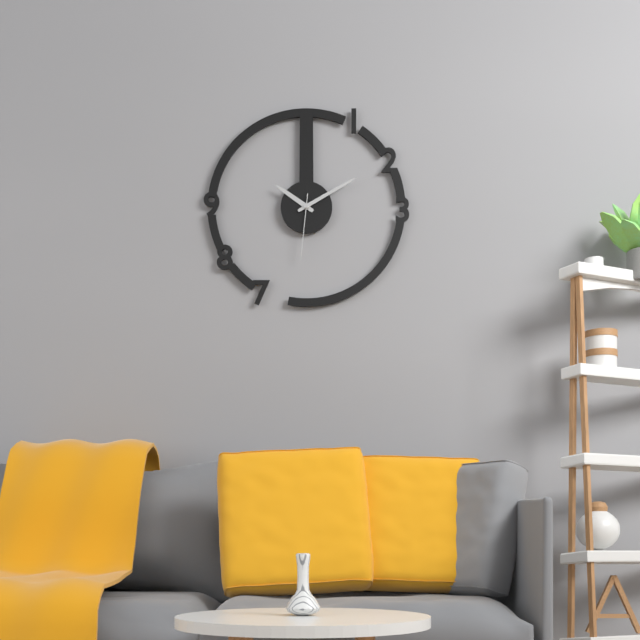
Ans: {"hour": 10, "minute": 10, "second": 31}
